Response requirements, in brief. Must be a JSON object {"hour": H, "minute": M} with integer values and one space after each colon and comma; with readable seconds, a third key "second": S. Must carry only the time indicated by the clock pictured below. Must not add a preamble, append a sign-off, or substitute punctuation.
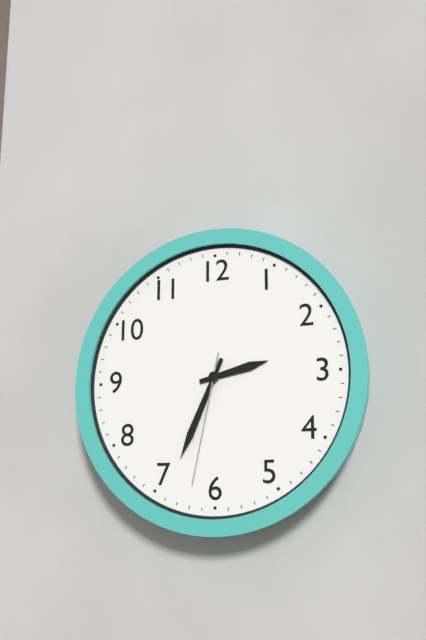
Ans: {"hour": 2, "minute": 34, "second": 32}
